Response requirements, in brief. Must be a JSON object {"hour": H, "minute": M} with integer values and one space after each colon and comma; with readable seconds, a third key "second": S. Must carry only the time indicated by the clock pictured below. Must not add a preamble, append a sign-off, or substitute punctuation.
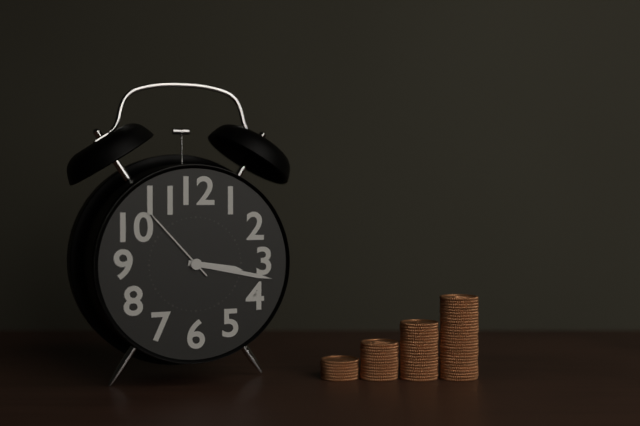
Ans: {"hour": 3, "minute": 17, "second": 53}
